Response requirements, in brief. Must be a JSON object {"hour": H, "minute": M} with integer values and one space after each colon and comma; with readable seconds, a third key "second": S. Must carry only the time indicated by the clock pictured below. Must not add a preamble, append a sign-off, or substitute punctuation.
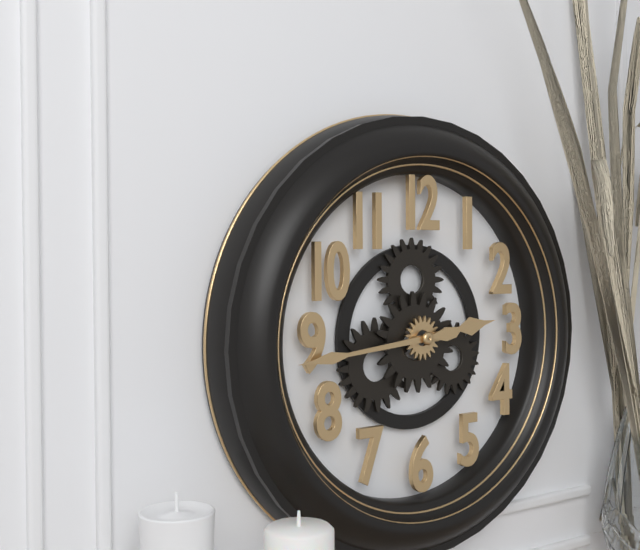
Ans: {"hour": 2, "minute": 44}
